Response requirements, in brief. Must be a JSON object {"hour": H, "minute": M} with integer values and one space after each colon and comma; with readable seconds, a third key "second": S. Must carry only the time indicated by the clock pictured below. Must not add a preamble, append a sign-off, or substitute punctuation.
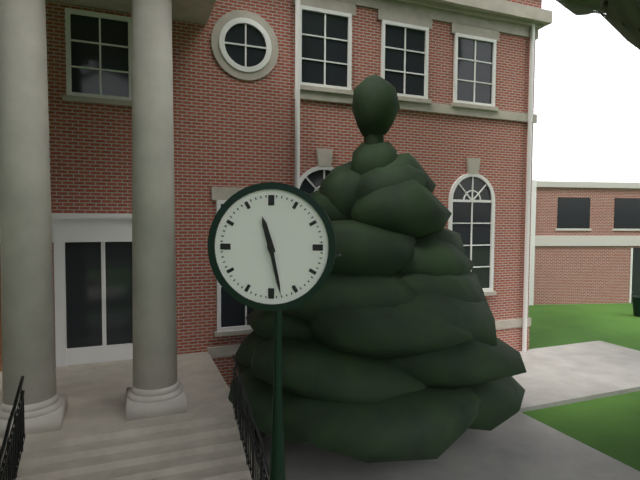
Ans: {"hour": 11, "minute": 28}
